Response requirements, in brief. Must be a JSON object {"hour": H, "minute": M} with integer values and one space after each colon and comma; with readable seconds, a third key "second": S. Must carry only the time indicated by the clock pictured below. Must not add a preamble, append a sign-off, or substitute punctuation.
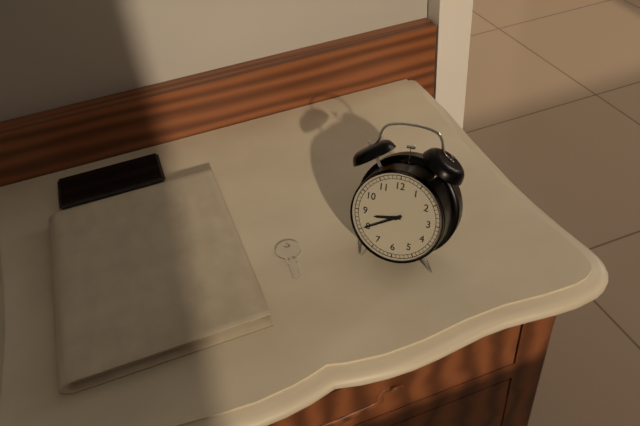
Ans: {"hour": 8, "minute": 40}
